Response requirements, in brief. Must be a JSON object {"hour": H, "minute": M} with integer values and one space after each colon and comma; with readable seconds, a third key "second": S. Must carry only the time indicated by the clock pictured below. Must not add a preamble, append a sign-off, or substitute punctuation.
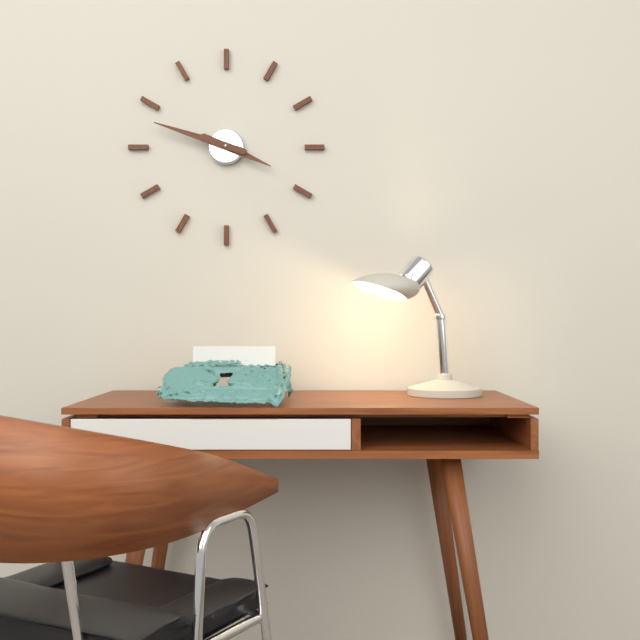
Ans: {"hour": 3, "minute": 48}
